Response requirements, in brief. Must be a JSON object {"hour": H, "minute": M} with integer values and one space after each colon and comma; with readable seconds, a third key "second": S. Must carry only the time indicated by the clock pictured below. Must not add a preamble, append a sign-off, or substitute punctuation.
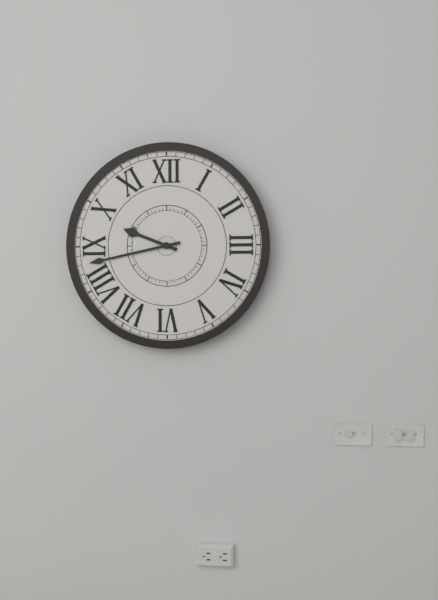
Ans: {"hour": 9, "minute": 43}
